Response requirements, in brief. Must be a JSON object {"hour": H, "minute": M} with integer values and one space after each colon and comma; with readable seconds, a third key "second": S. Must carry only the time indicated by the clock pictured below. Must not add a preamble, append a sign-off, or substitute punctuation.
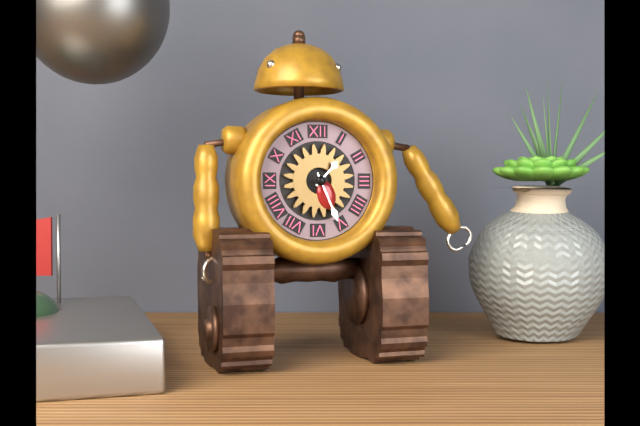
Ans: {"hour": 1, "minute": 26}
